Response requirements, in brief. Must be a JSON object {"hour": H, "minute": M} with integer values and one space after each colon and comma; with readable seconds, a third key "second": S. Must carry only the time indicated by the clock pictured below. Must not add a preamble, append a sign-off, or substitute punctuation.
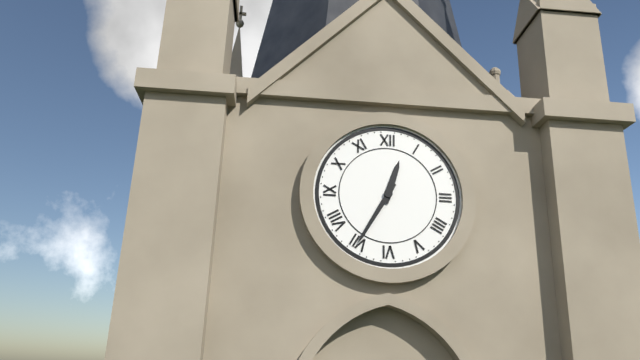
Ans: {"hour": 12, "minute": 35}
